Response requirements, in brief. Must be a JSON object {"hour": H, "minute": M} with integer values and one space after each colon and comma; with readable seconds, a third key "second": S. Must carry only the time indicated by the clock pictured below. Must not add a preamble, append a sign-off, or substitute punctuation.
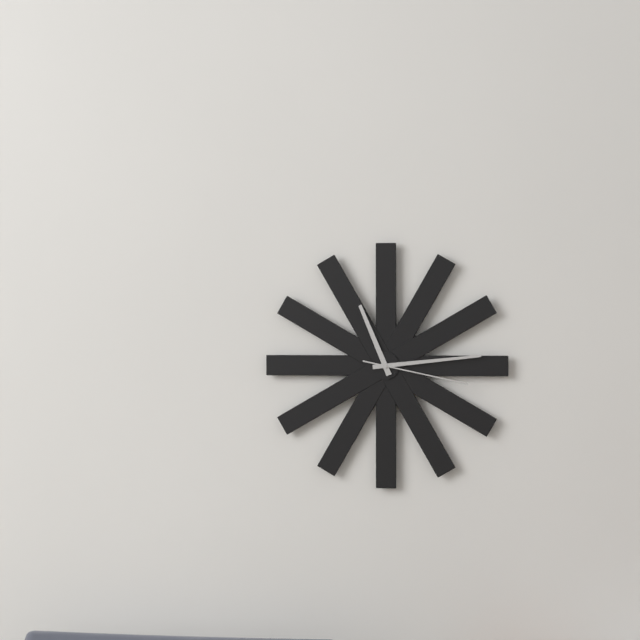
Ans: {"hour": 11, "minute": 14, "second": 17}
